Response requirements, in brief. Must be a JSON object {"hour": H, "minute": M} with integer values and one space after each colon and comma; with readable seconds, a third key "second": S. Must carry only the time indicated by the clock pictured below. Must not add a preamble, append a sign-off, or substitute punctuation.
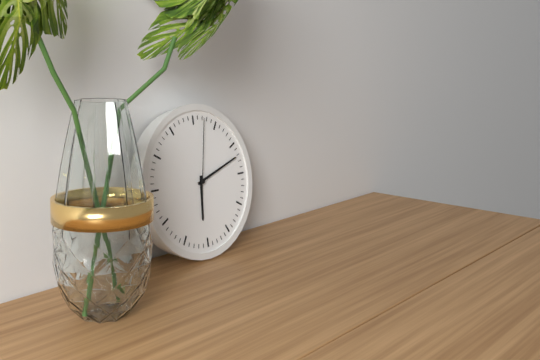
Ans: {"hour": 6, "minute": 12, "second": 2}
